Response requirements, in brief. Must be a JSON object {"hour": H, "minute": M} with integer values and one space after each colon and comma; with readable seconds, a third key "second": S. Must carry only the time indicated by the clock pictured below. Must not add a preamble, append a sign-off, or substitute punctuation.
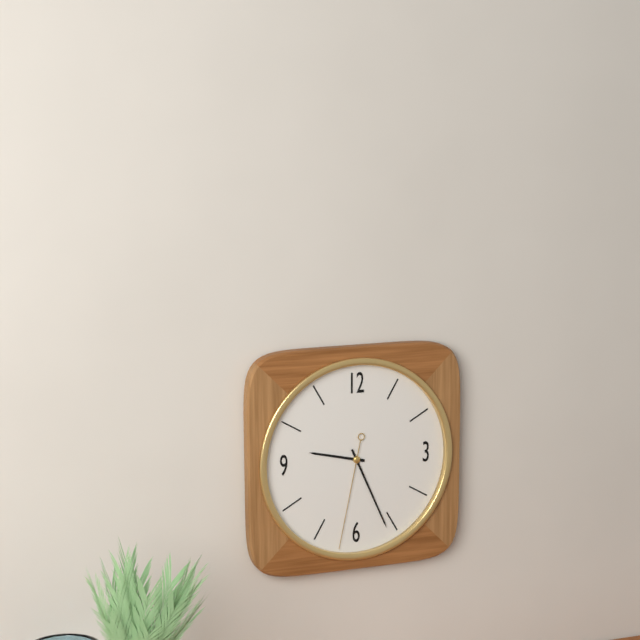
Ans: {"hour": 9, "minute": 26, "second": 32}
